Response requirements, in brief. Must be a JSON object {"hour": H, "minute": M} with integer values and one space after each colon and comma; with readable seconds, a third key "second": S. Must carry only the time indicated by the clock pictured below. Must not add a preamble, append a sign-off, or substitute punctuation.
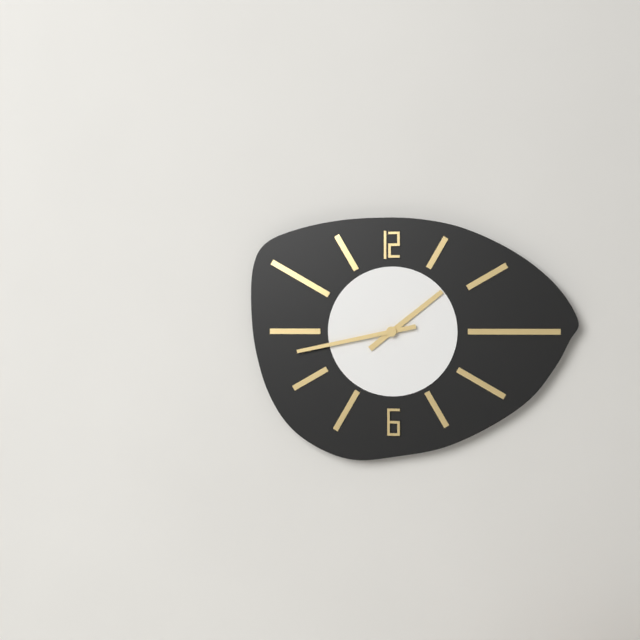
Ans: {"hour": 1, "minute": 43}
